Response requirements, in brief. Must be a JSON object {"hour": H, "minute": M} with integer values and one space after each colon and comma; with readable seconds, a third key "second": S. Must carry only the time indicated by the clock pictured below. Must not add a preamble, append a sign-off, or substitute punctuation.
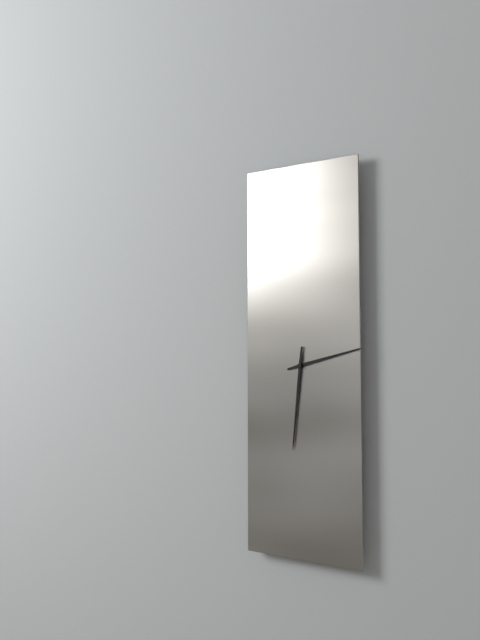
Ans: {"hour": 2, "minute": 31}
